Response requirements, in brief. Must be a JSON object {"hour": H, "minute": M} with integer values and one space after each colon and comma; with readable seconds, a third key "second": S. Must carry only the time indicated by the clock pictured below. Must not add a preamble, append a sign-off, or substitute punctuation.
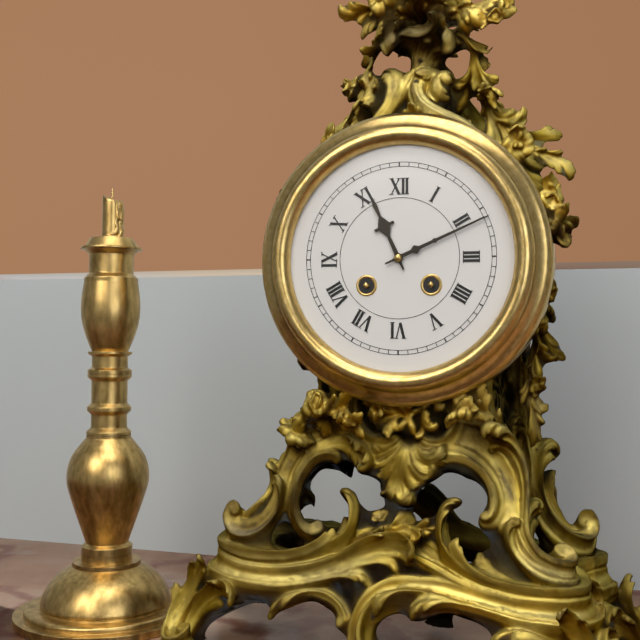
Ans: {"hour": 11, "minute": 11}
